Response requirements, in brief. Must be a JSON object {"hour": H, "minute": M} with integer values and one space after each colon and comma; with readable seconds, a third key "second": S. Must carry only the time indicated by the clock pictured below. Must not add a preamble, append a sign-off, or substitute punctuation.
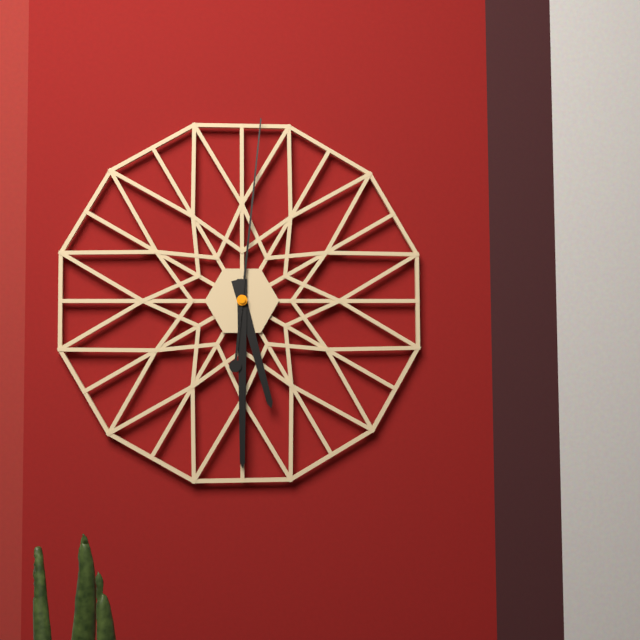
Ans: {"hour": 5, "minute": 30, "second": 1}
